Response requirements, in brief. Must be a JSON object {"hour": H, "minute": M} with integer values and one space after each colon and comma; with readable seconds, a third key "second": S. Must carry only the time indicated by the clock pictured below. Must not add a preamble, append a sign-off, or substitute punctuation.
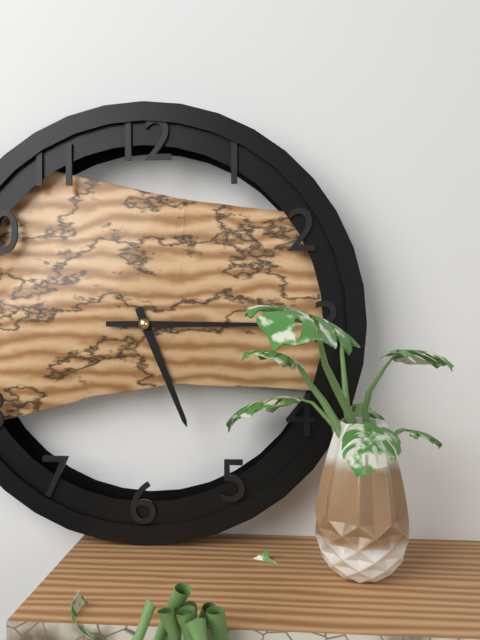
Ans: {"hour": 5, "minute": 15}
